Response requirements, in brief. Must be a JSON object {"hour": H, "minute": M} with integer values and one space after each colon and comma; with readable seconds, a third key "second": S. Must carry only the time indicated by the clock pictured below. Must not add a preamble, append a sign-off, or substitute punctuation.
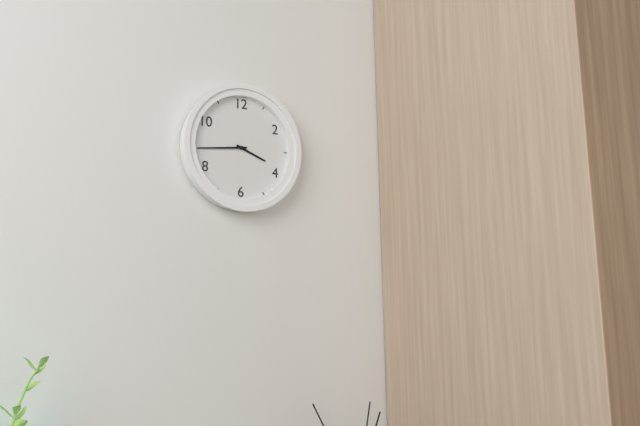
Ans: {"hour": 3, "minute": 44}
